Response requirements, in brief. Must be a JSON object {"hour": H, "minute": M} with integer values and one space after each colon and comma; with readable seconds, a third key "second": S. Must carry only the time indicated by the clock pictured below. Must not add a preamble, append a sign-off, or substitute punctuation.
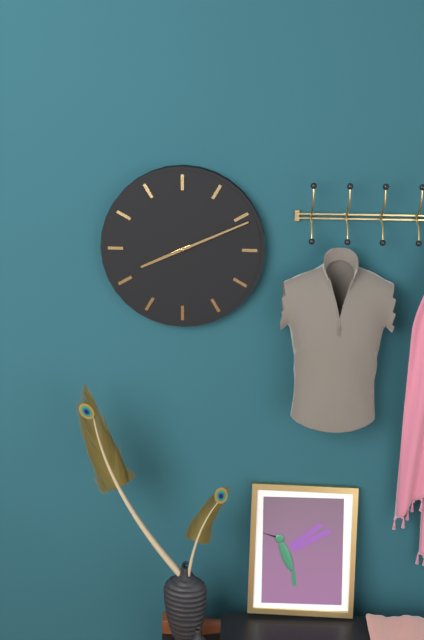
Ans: {"hour": 8, "minute": 11}
